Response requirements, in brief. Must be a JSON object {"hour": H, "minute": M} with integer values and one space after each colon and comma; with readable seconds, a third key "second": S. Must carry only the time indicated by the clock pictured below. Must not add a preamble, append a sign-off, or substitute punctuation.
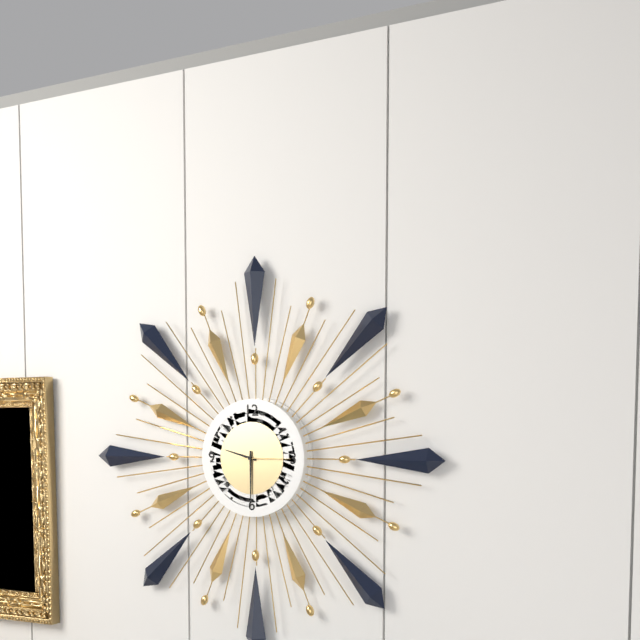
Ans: {"hour": 9, "minute": 30}
